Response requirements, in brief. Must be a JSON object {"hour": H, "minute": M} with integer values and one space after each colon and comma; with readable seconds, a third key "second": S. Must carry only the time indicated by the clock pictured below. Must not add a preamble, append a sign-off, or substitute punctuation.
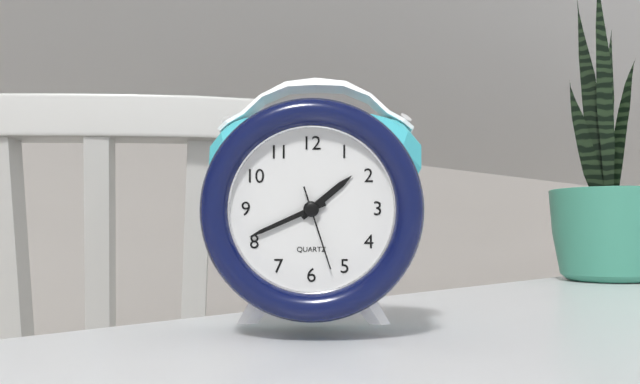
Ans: {"hour": 1, "minute": 41, "second": 27}
